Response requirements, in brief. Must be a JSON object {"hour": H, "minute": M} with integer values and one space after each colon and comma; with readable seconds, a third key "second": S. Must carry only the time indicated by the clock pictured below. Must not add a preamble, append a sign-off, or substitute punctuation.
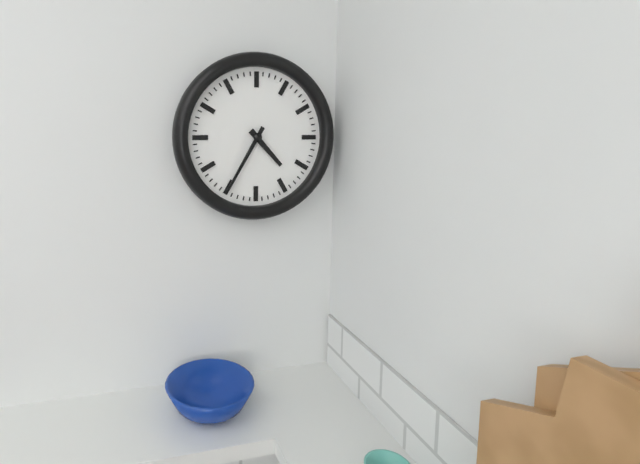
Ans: {"hour": 4, "minute": 35}
